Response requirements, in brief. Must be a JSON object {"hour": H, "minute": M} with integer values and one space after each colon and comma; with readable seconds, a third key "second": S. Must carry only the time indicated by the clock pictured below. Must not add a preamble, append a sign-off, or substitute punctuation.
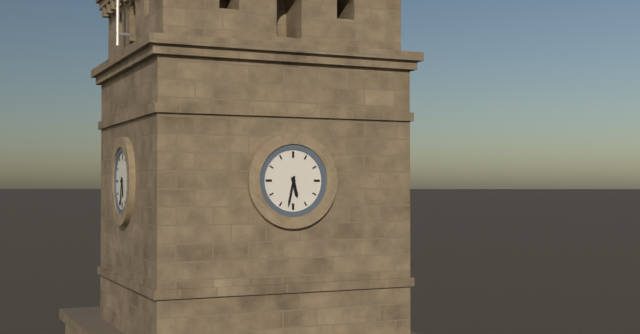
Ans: {"hour": 5, "minute": 32}
